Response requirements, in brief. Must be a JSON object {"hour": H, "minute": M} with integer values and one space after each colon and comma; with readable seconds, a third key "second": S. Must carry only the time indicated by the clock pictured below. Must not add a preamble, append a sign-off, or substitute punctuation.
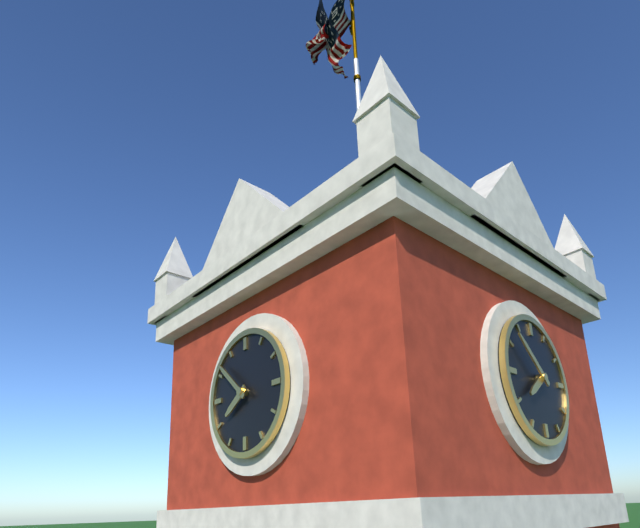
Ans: {"hour": 7, "minute": 52}
